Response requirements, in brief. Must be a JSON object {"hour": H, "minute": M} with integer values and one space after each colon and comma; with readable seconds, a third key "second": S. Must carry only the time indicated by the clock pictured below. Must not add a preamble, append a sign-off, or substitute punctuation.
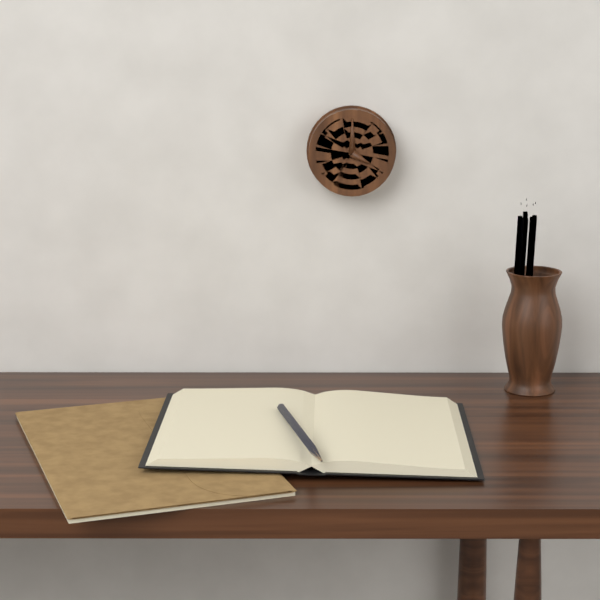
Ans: {"hour": 4, "minute": 0}
